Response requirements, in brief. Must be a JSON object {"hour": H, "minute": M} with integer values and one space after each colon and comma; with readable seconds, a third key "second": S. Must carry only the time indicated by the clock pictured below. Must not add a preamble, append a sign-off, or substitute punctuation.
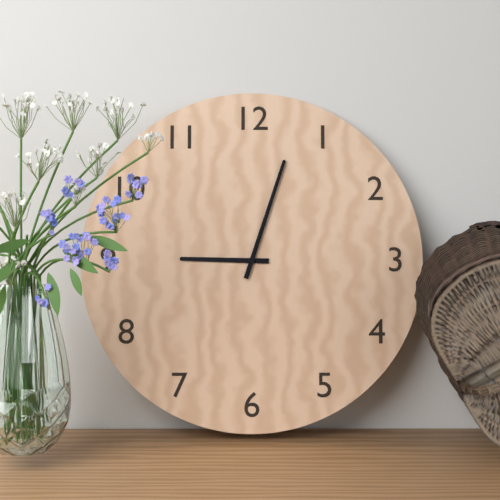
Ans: {"hour": 9, "minute": 3}
